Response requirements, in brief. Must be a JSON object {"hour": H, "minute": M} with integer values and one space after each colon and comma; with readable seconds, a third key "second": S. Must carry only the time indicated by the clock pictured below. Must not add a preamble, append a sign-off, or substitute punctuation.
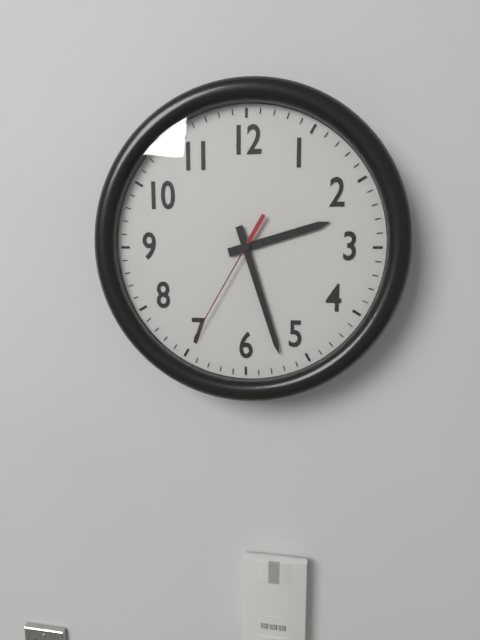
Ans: {"hour": 2, "minute": 27, "second": 35}
